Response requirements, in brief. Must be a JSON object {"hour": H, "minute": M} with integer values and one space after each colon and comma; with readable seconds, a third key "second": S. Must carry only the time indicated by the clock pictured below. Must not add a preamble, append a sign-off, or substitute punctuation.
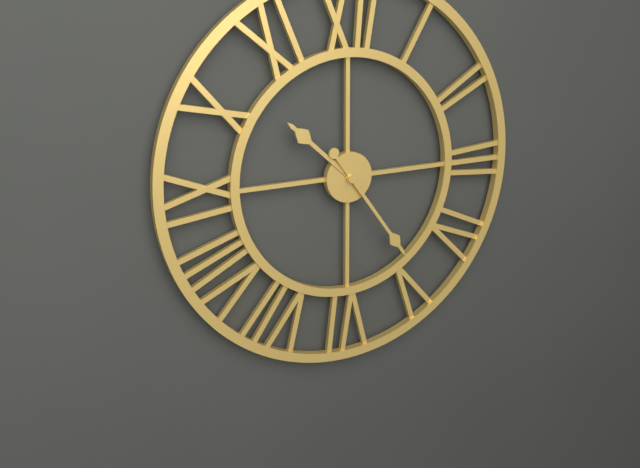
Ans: {"hour": 10, "minute": 24}
